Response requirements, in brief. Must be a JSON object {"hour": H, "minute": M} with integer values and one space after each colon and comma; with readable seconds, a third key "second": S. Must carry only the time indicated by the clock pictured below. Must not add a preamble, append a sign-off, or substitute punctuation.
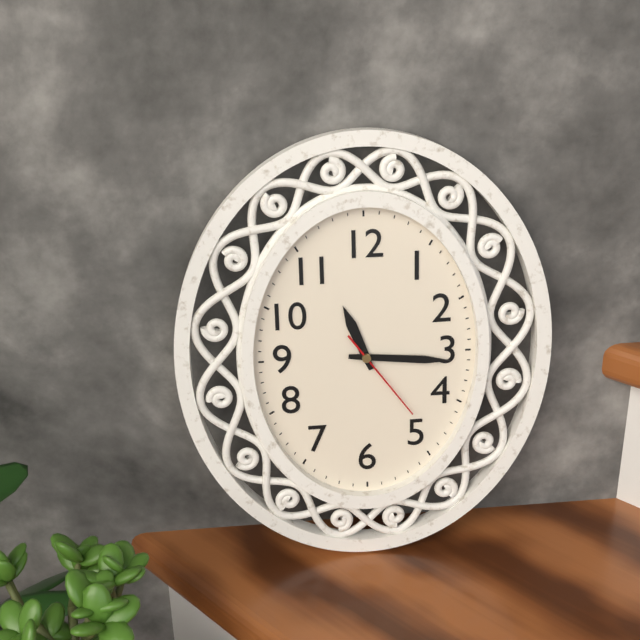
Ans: {"hour": 11, "minute": 16, "second": 24}
